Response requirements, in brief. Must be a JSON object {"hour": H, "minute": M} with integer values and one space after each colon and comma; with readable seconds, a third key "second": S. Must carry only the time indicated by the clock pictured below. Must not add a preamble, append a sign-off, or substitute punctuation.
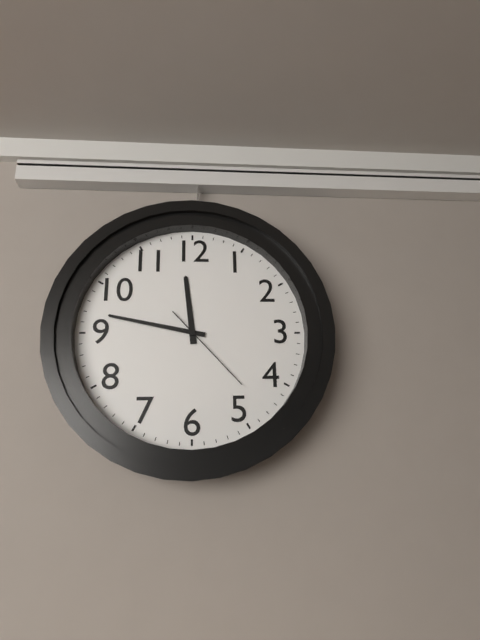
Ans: {"hour": 11, "minute": 47, "second": 23}
